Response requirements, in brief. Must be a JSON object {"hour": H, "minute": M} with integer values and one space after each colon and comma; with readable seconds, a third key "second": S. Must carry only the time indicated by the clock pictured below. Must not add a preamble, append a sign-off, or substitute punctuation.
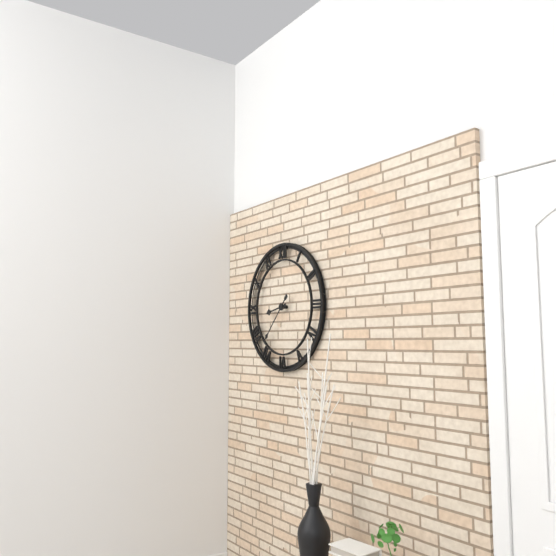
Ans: {"hour": 8, "minute": 37}
